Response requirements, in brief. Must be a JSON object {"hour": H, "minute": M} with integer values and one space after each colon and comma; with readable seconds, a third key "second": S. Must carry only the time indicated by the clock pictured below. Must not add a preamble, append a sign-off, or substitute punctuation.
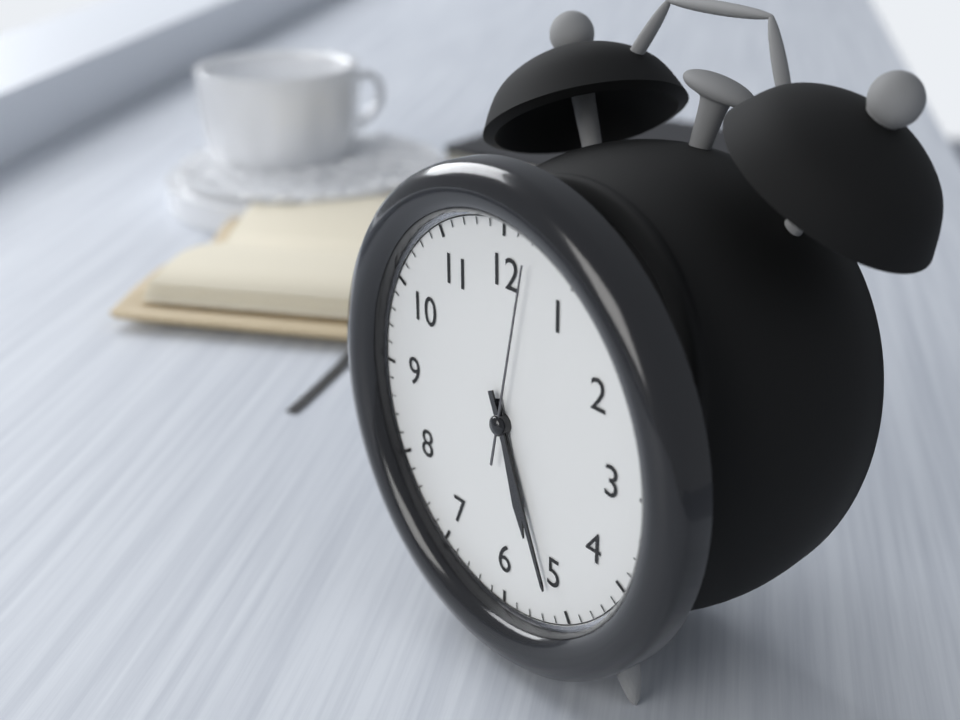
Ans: {"hour": 5, "minute": 26, "second": 2}
